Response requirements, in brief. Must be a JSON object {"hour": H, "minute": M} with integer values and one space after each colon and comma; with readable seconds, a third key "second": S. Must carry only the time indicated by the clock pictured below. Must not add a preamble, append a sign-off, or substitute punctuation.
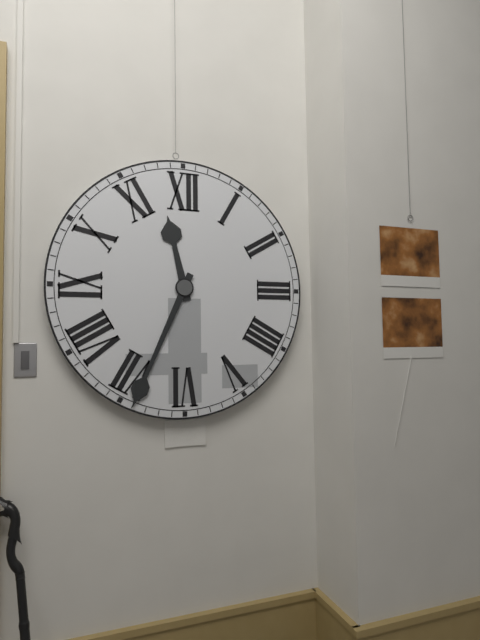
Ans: {"hour": 11, "minute": 34}
